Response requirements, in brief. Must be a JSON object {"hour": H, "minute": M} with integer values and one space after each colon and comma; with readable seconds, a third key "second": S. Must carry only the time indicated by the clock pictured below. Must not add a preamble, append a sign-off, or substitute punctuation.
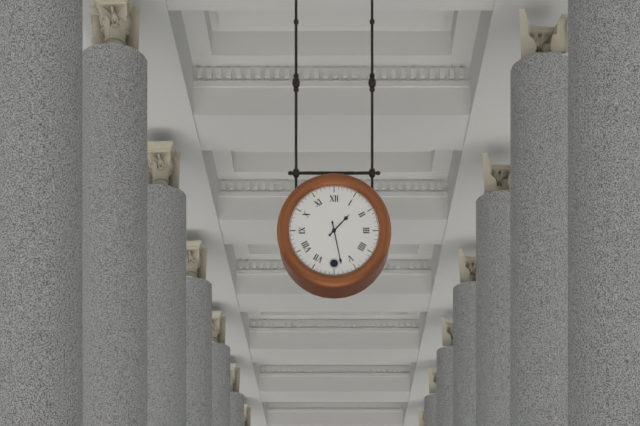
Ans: {"hour": 1, "minute": 28}
